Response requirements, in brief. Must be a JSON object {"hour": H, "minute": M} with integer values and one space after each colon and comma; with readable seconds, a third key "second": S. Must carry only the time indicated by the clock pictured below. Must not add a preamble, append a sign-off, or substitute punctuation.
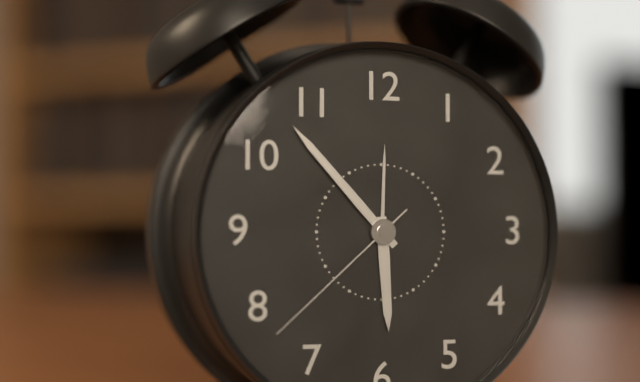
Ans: {"hour": 5, "minute": 53, "second": 38}
